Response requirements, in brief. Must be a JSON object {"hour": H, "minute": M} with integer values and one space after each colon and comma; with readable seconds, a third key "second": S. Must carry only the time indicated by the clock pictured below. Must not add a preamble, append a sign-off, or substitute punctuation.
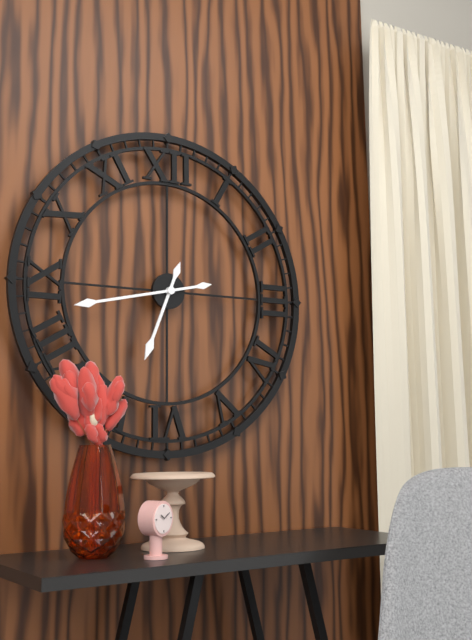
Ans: {"hour": 6, "minute": 43}
